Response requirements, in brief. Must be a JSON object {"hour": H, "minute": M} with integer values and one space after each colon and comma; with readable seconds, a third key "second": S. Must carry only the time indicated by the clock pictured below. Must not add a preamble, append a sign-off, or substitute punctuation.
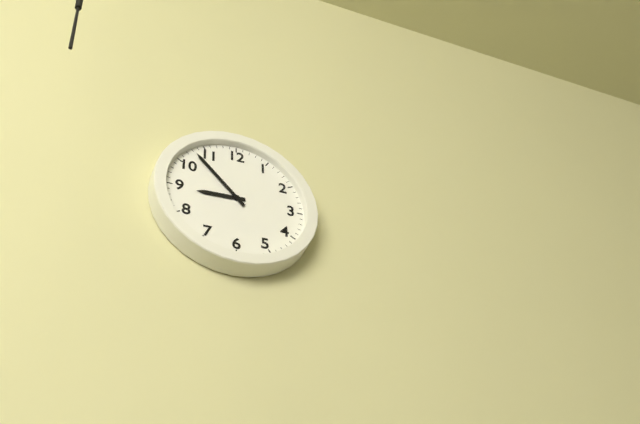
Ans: {"hour": 8, "minute": 53}
